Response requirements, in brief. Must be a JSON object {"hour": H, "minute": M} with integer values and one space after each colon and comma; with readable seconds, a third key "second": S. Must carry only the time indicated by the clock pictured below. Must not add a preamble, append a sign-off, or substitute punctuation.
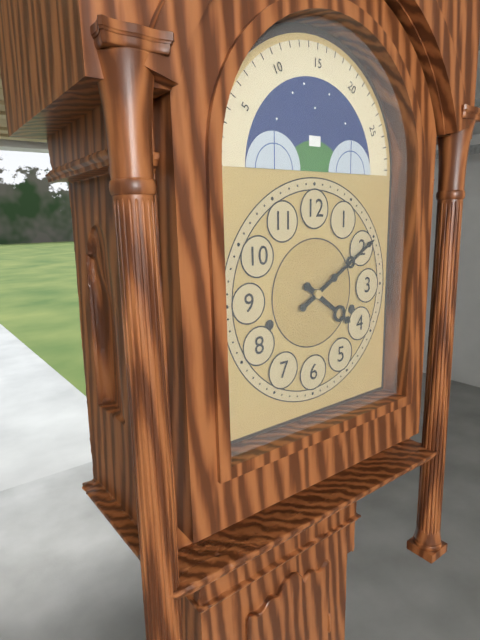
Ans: {"hour": 4, "minute": 10}
